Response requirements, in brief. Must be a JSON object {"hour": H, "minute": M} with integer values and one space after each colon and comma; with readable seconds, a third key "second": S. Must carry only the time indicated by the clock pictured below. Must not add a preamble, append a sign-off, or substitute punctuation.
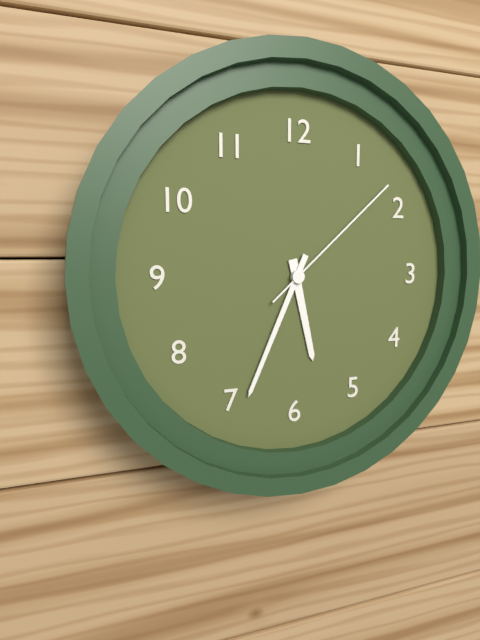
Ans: {"hour": 5, "minute": 34, "second": 8}
